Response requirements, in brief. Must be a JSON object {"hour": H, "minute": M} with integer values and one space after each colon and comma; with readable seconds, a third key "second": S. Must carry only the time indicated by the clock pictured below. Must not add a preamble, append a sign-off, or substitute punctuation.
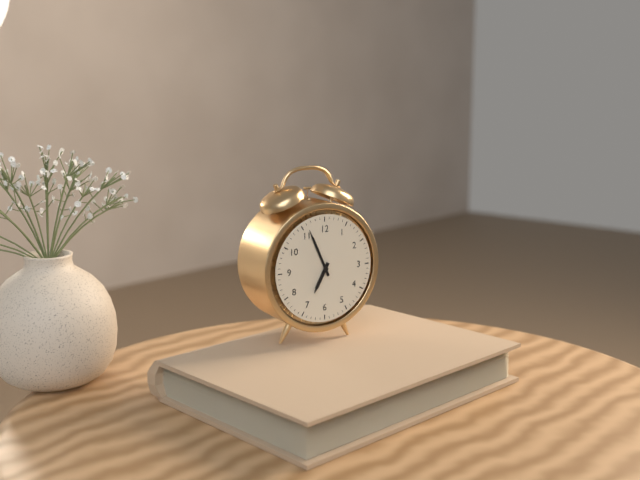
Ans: {"hour": 6, "minute": 56}
